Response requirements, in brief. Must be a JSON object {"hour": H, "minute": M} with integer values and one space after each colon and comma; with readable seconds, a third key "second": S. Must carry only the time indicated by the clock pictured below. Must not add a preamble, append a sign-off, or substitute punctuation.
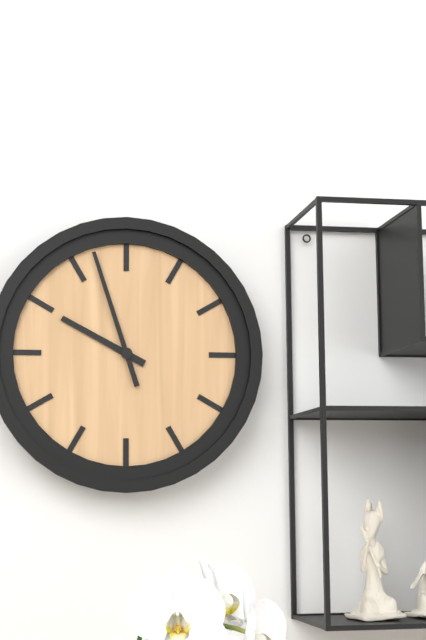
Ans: {"hour": 9, "minute": 57}
